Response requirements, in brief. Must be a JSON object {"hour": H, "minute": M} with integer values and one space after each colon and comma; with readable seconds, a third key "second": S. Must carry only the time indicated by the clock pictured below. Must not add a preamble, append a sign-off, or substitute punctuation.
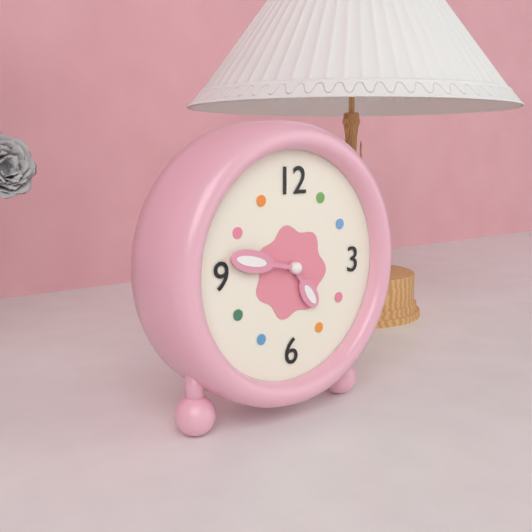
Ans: {"hour": 4, "minute": 47}
